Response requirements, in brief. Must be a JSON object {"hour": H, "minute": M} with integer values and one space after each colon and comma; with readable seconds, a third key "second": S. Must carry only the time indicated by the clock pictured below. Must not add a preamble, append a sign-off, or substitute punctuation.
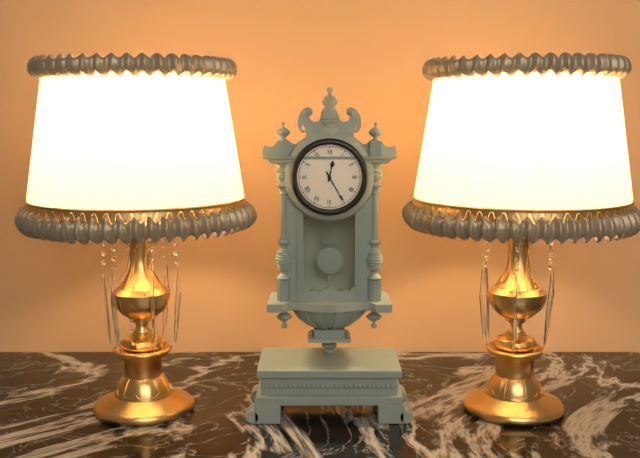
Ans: {"hour": 12, "minute": 25}
